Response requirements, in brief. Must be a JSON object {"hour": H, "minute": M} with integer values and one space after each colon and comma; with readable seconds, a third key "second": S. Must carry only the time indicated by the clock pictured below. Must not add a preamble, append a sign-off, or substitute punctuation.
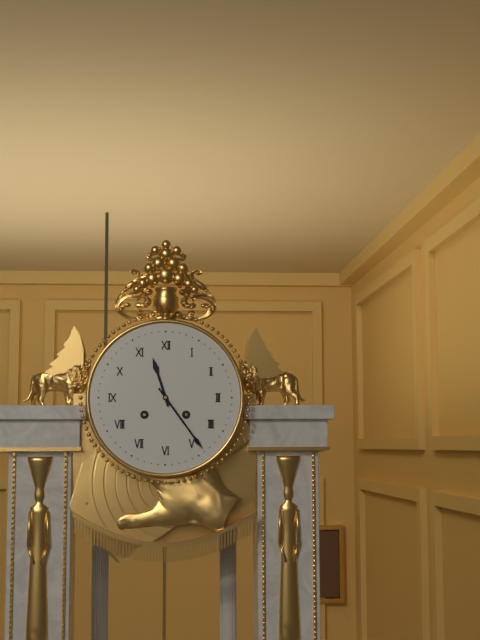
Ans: {"hour": 11, "minute": 24}
